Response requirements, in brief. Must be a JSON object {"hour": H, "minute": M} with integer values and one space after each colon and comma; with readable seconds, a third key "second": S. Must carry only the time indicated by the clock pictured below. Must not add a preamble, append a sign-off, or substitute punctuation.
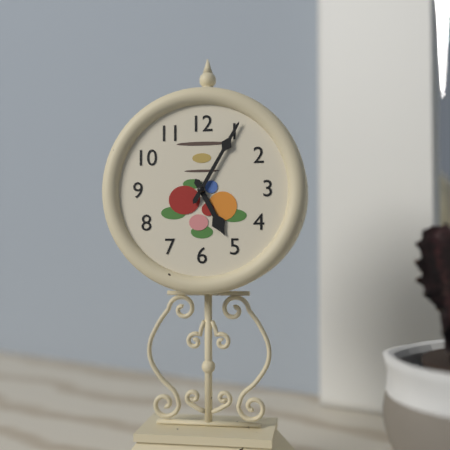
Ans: {"hour": 5, "minute": 5}
